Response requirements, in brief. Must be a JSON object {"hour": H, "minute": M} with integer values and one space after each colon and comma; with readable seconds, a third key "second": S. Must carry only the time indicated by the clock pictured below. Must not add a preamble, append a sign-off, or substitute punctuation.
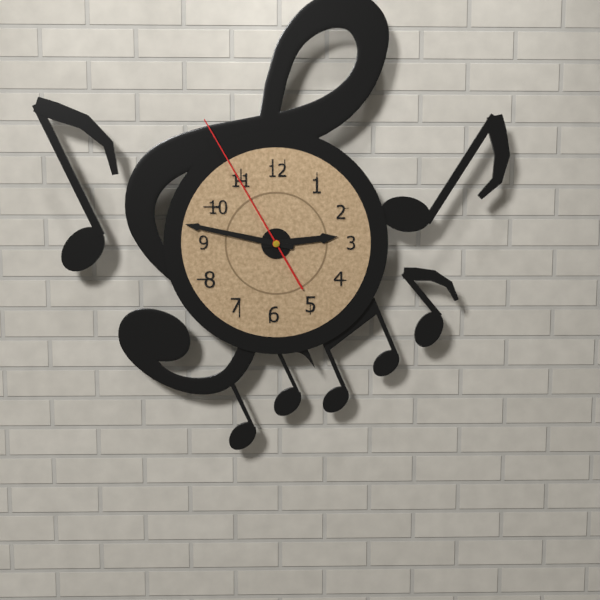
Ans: {"hour": 2, "minute": 47, "second": 55}
